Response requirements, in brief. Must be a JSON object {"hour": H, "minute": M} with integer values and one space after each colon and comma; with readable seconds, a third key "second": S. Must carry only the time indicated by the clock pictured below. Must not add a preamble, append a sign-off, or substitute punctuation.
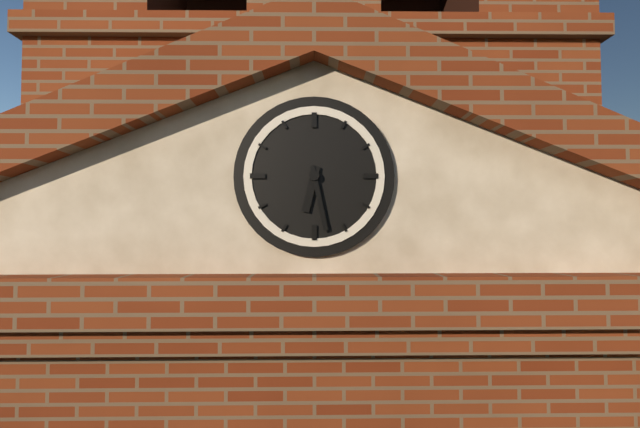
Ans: {"hour": 6, "minute": 28}
